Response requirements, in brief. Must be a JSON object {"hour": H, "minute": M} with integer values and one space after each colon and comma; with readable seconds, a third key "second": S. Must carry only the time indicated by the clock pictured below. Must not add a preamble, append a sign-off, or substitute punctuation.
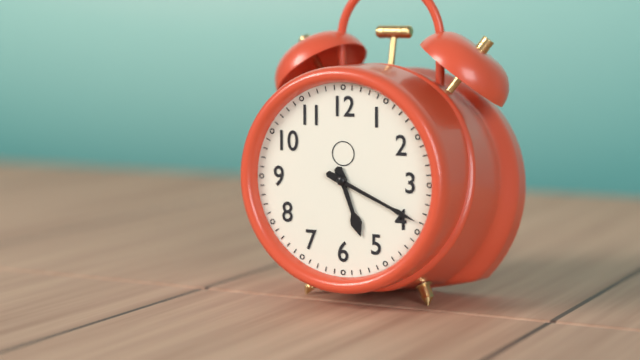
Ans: {"hour": 5, "minute": 19}
